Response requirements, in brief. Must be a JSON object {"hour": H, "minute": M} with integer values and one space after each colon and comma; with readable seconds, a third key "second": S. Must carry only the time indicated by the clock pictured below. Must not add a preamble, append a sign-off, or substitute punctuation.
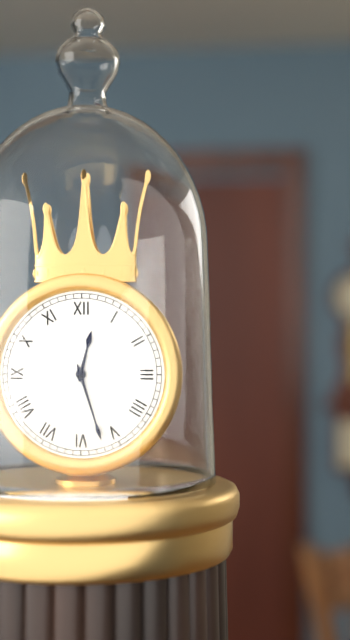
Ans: {"hour": 12, "minute": 27}
